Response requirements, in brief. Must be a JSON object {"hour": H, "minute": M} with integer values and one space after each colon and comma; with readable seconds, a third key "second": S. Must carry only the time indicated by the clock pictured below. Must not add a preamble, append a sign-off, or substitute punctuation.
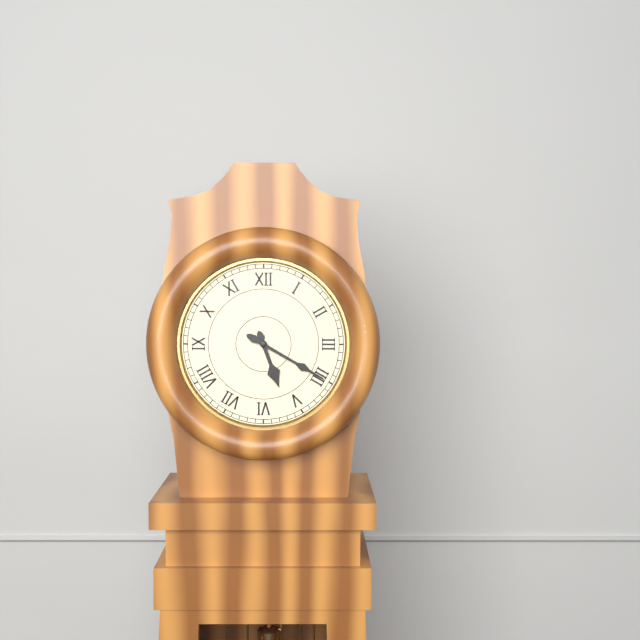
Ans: {"hour": 5, "minute": 20}
